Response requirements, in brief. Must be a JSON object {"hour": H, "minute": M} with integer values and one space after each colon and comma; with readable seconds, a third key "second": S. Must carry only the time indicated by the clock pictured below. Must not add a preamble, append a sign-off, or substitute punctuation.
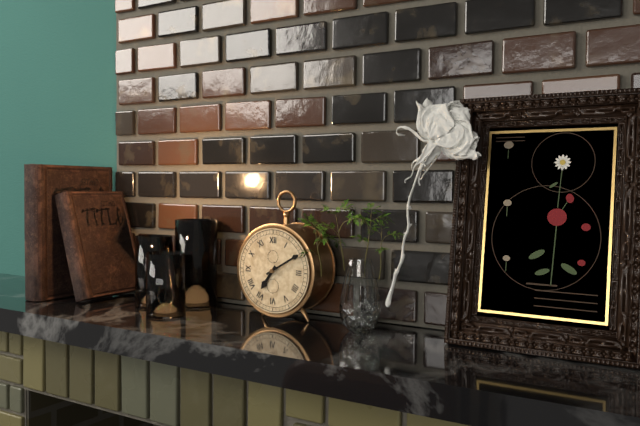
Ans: {"hour": 7, "minute": 10}
